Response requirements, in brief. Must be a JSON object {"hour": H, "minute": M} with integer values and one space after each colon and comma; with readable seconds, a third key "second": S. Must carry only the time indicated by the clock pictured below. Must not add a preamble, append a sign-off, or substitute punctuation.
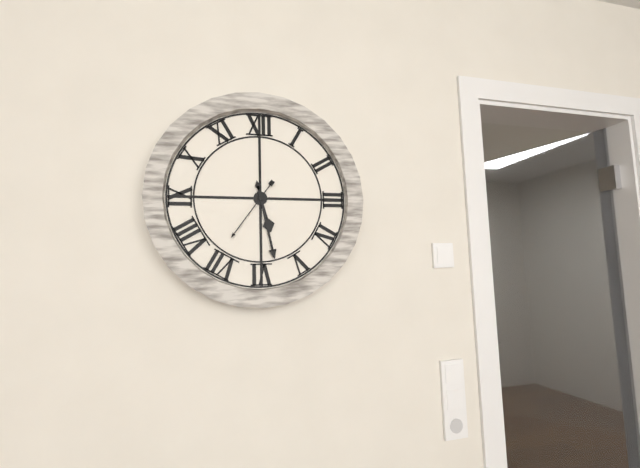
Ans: {"hour": 5, "minute": 28, "second": 36}
